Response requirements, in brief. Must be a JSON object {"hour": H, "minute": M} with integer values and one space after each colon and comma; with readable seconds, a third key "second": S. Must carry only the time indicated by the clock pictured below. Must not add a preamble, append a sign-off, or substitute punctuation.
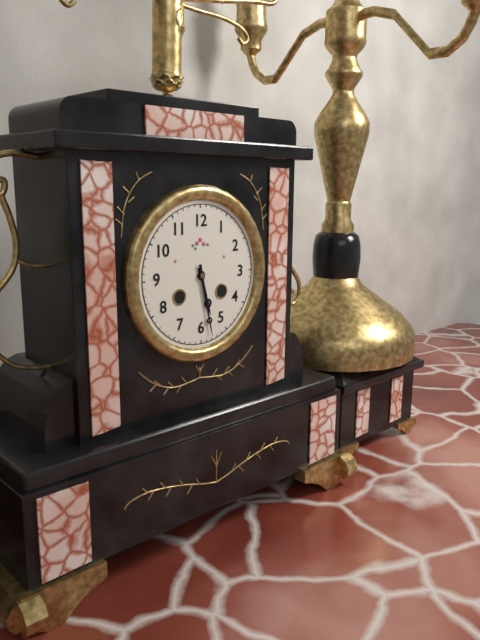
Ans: {"hour": 5, "minute": 28}
